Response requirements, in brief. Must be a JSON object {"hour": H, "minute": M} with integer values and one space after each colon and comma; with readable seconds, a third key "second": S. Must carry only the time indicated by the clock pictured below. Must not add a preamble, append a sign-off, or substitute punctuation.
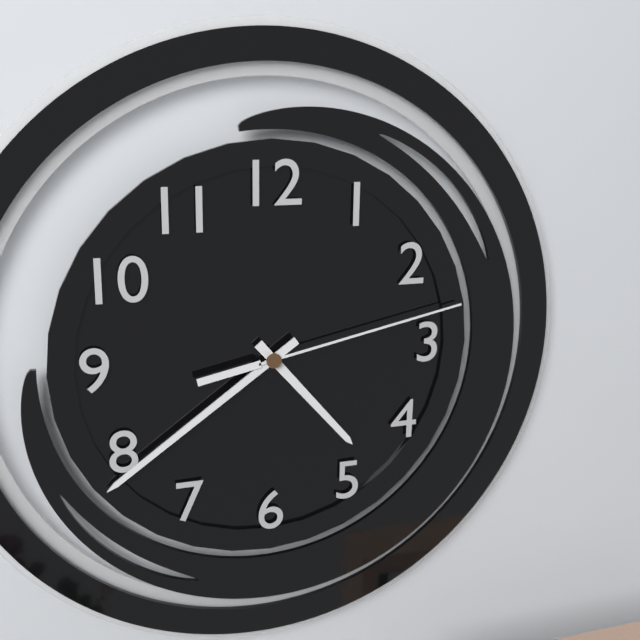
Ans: {"hour": 4, "minute": 39, "second": 13}
